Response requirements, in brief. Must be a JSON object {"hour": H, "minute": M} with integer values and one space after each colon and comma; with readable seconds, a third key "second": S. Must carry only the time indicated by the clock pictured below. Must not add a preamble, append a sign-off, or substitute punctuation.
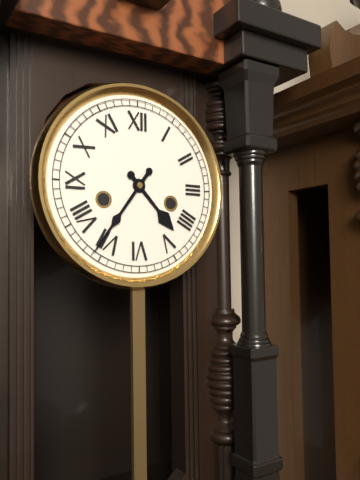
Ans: {"hour": 4, "minute": 36}
